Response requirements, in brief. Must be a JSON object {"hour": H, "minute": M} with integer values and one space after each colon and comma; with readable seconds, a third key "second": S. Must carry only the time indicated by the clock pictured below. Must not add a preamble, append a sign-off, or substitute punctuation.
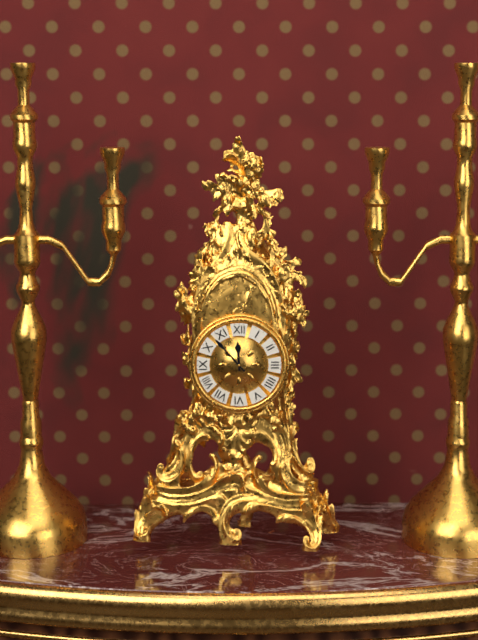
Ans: {"hour": 11, "minute": 53}
